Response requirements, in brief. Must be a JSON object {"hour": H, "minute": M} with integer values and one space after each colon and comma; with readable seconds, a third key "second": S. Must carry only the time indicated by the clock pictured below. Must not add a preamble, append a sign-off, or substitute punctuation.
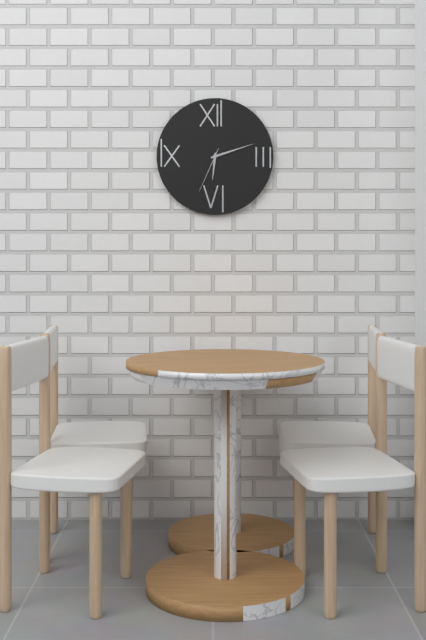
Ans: {"hour": 6, "minute": 12}
